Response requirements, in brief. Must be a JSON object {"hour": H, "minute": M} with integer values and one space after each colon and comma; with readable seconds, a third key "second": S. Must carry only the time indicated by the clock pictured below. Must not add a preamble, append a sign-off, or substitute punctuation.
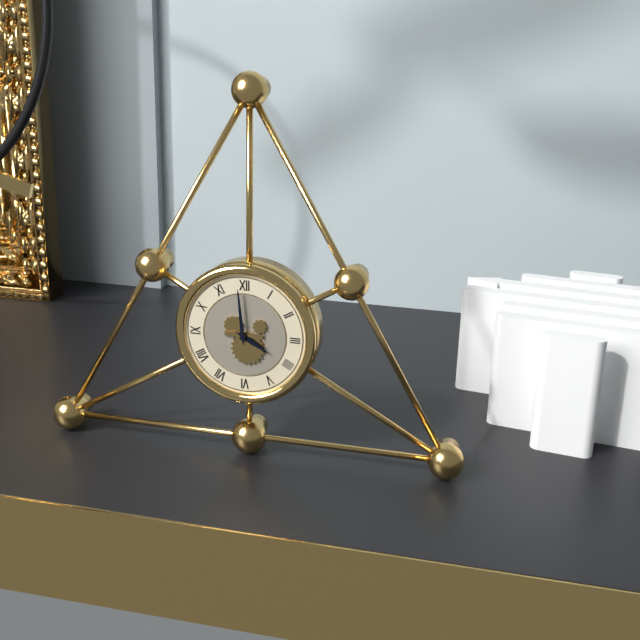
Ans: {"hour": 3, "minute": 59}
